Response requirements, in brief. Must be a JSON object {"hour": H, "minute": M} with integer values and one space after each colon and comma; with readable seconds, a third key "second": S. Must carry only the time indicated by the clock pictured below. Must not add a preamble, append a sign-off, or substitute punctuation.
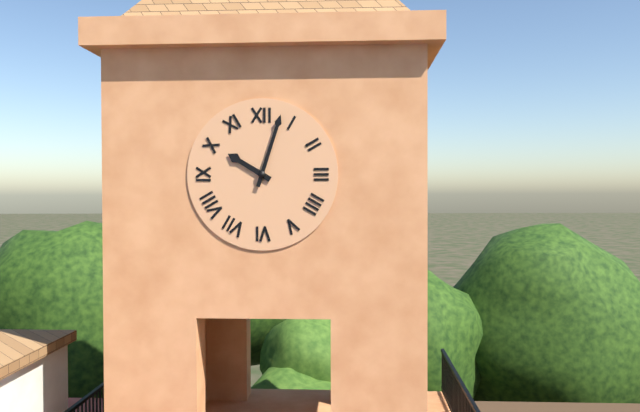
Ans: {"hour": 10, "minute": 3}
